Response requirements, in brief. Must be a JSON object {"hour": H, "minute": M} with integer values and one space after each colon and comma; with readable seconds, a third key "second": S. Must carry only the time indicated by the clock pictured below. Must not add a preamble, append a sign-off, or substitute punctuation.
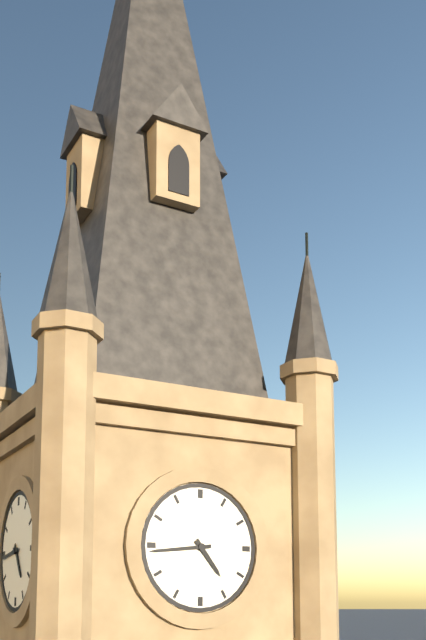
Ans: {"hour": 4, "minute": 44}
